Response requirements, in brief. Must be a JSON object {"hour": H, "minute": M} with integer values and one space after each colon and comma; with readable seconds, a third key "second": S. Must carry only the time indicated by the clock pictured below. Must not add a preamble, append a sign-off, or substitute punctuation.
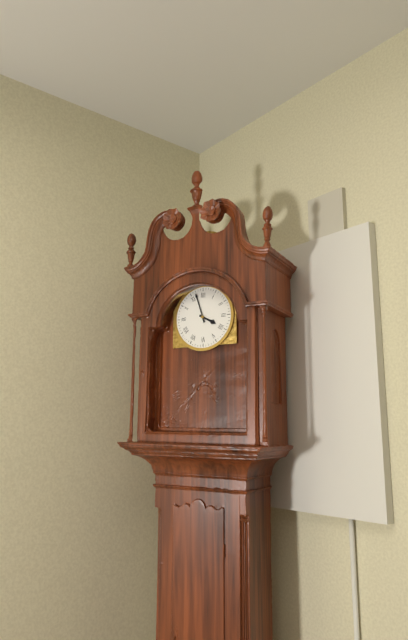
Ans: {"hour": 3, "minute": 57}
